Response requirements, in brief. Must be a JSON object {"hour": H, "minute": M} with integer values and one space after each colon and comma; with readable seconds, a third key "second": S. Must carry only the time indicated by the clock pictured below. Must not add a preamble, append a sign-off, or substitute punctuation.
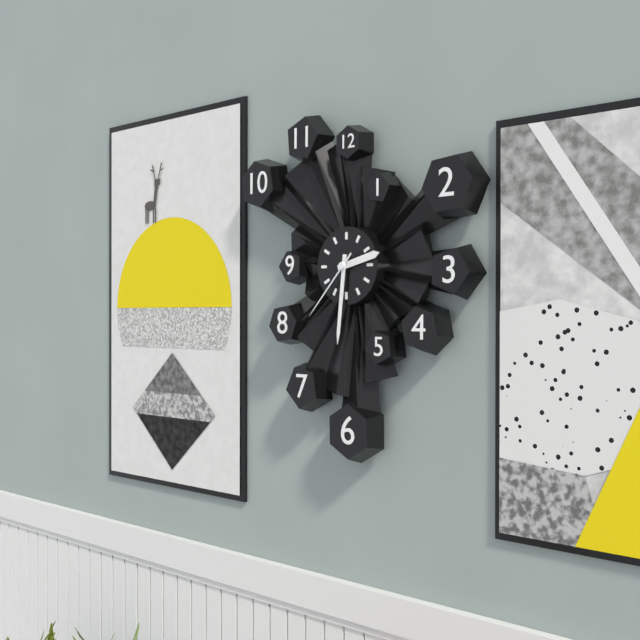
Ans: {"hour": 2, "minute": 31, "second": 37}
